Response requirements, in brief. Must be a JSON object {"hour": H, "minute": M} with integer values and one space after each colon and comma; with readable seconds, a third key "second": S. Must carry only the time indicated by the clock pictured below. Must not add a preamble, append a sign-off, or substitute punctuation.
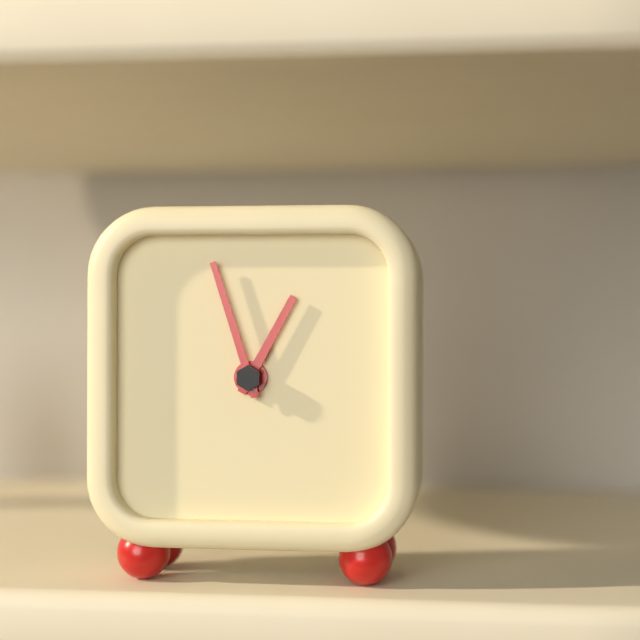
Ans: {"hour": 12, "minute": 57}
